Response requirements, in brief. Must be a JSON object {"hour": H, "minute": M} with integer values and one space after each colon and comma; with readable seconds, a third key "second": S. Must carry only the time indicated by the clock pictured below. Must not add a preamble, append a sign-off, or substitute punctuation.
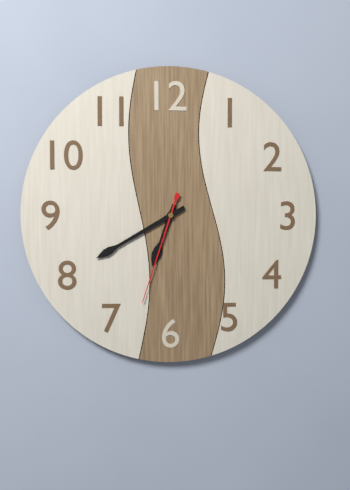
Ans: {"hour": 6, "minute": 40, "second": 33}
